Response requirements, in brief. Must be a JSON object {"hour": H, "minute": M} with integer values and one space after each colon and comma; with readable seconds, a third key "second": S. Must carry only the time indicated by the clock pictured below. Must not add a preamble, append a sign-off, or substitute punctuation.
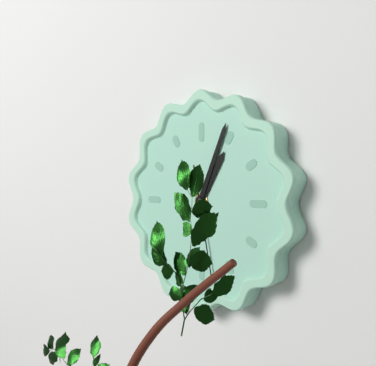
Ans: {"hour": 1, "minute": 4, "second": 28}
